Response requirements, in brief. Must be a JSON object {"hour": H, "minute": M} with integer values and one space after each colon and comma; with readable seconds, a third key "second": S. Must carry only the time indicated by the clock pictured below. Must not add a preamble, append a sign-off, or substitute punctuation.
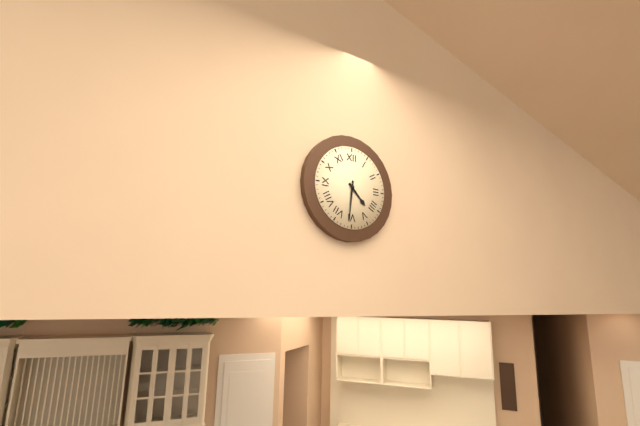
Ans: {"hour": 4, "minute": 31}
